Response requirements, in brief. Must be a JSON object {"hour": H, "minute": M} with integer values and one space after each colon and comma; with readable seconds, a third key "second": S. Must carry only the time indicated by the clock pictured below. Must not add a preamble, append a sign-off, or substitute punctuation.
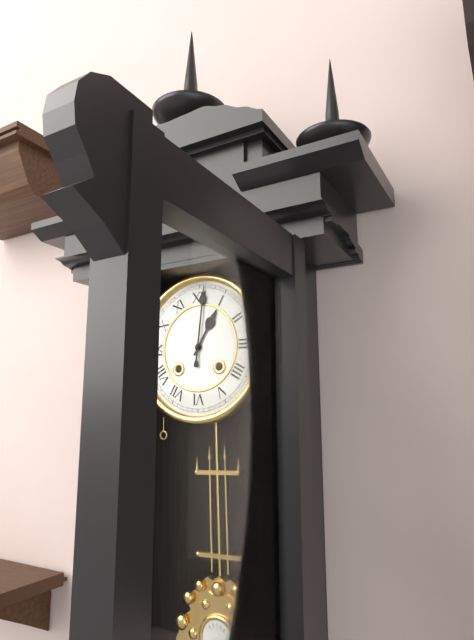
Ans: {"hour": 1, "minute": 1}
